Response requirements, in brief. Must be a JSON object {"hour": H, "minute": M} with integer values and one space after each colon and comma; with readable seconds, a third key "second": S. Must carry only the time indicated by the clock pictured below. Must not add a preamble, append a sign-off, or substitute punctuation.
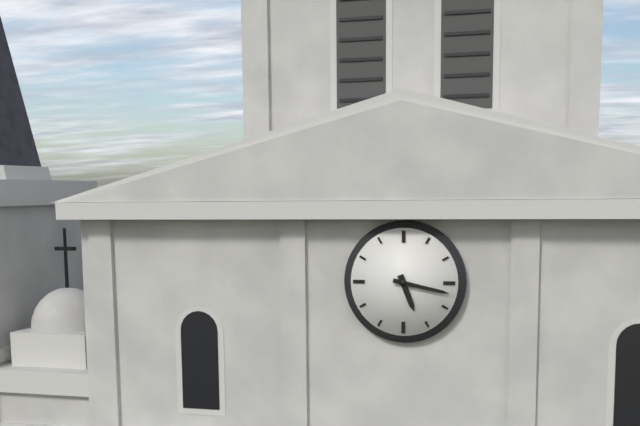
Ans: {"hour": 5, "minute": 17}
